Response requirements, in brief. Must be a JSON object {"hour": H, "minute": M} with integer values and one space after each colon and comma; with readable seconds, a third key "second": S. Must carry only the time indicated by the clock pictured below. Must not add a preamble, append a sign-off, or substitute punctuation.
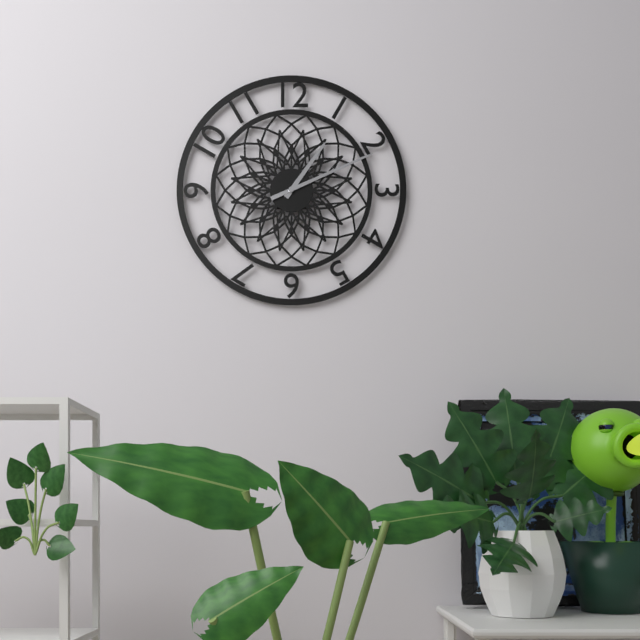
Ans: {"hour": 1, "minute": 11}
